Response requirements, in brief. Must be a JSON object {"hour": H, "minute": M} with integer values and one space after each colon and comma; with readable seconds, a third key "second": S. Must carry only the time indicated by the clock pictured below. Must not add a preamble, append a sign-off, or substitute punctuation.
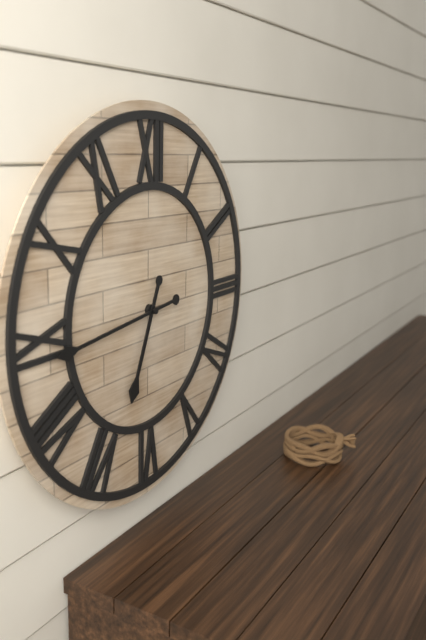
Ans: {"hour": 6, "minute": 44}
